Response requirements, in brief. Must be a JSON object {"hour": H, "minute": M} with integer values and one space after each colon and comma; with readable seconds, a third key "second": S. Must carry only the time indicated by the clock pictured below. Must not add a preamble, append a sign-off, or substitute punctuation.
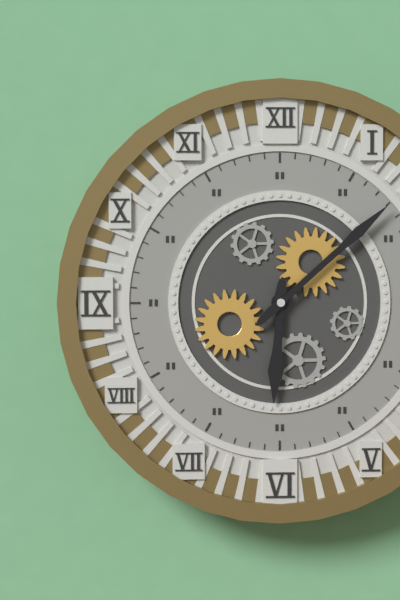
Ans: {"hour": 6, "minute": 8}
